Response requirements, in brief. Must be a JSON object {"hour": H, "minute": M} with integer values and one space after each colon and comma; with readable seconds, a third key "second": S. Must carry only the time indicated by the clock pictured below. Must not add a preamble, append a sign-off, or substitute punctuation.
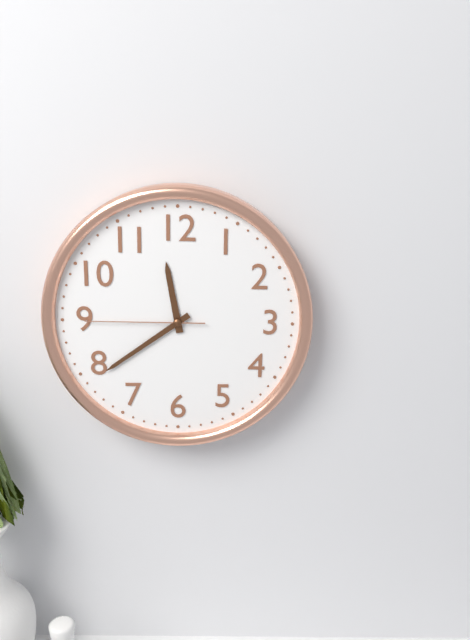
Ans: {"hour": 11, "minute": 39, "second": 45}
